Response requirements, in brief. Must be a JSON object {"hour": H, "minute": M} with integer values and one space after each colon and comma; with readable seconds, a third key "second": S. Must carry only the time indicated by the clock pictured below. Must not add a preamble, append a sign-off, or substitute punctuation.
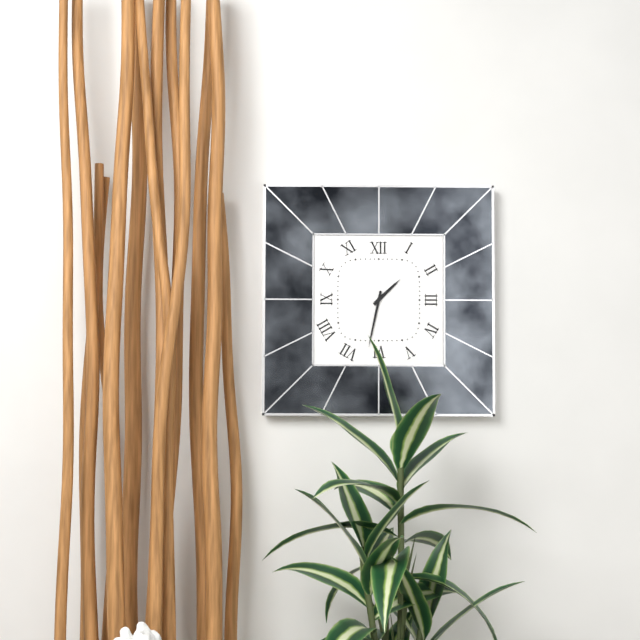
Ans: {"hour": 1, "minute": 32}
